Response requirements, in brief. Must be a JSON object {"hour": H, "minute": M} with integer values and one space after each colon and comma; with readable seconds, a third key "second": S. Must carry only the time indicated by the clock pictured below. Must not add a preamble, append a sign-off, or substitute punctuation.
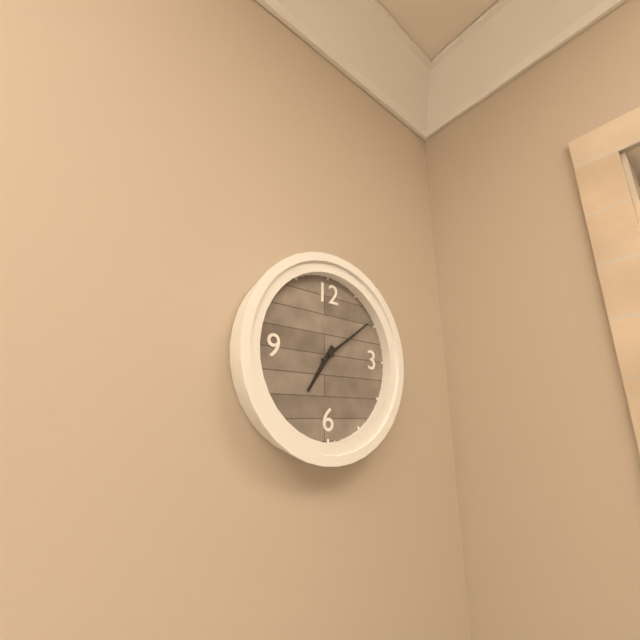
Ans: {"hour": 7, "minute": 9}
